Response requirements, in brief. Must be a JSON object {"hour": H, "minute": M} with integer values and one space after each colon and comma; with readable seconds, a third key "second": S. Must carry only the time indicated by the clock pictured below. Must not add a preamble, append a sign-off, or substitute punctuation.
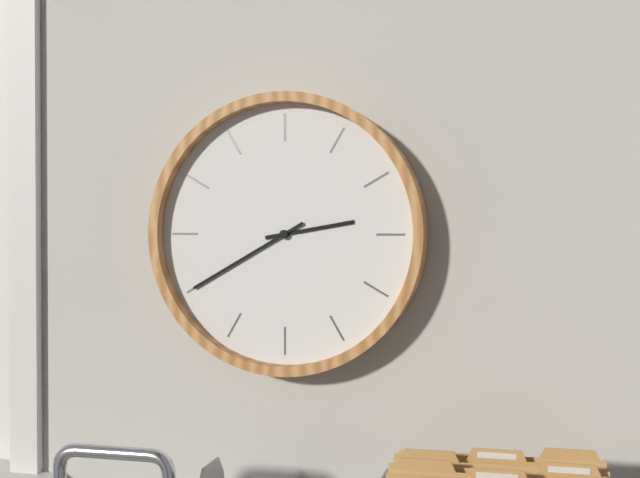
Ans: {"hour": 2, "minute": 40}
